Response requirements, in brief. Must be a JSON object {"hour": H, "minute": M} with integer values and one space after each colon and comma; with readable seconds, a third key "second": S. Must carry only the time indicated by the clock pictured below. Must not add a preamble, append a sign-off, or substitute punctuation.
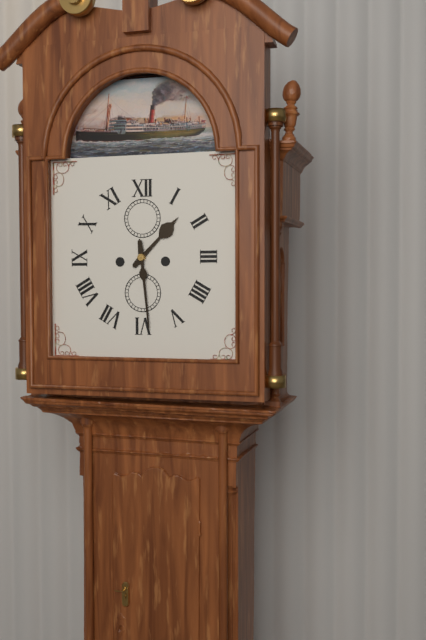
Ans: {"hour": 1, "minute": 29}
